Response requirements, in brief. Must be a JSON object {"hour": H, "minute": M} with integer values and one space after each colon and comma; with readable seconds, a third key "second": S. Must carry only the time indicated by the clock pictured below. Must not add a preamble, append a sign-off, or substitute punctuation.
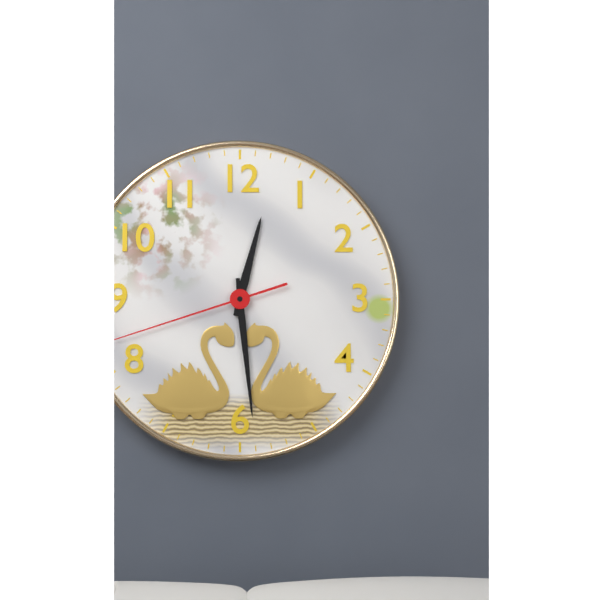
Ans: {"hour": 12, "minute": 29, "second": 42}
